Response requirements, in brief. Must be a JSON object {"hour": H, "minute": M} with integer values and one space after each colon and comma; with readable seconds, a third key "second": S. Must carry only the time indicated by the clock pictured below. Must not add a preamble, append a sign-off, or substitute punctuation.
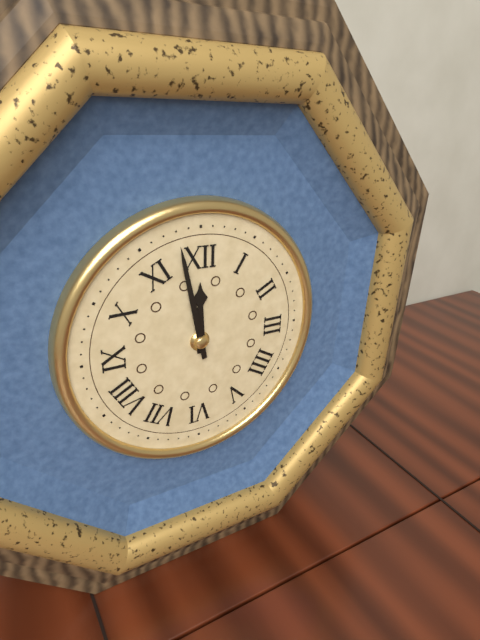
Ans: {"hour": 11, "minute": 58}
